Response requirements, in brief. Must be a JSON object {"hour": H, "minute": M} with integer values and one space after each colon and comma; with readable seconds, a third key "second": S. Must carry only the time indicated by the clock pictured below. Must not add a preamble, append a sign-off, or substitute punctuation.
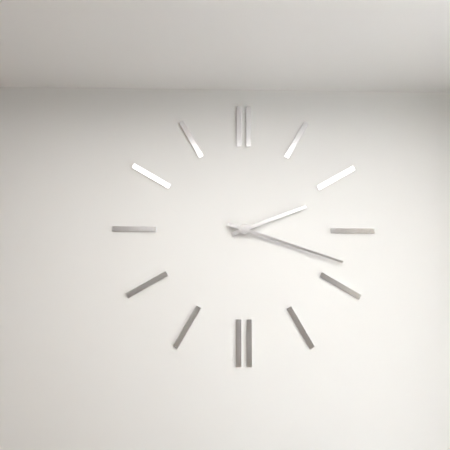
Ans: {"hour": 2, "minute": 18}
